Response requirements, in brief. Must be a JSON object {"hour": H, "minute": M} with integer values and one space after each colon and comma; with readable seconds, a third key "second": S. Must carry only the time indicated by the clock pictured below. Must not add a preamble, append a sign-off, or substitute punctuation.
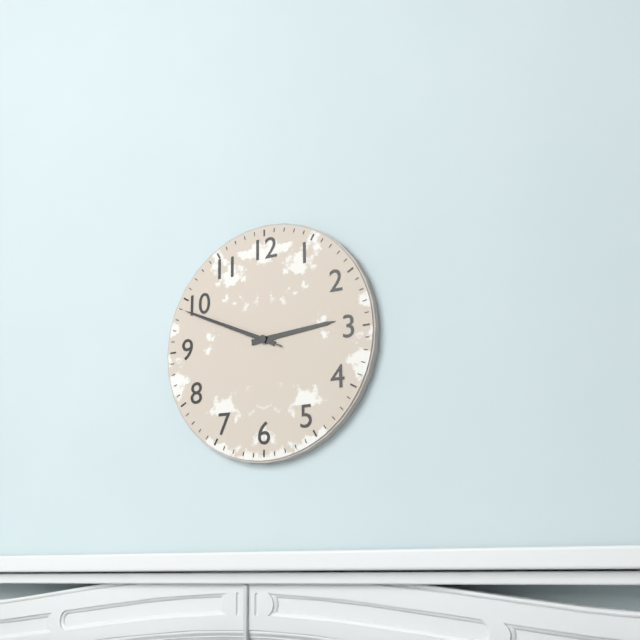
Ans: {"hour": 2, "minute": 49, "second": 49}
